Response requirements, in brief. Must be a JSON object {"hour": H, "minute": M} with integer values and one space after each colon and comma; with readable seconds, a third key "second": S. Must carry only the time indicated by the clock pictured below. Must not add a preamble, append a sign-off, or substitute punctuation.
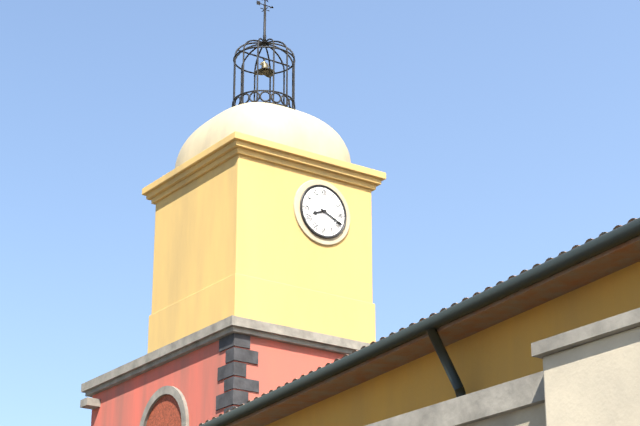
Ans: {"hour": 8, "minute": 19}
